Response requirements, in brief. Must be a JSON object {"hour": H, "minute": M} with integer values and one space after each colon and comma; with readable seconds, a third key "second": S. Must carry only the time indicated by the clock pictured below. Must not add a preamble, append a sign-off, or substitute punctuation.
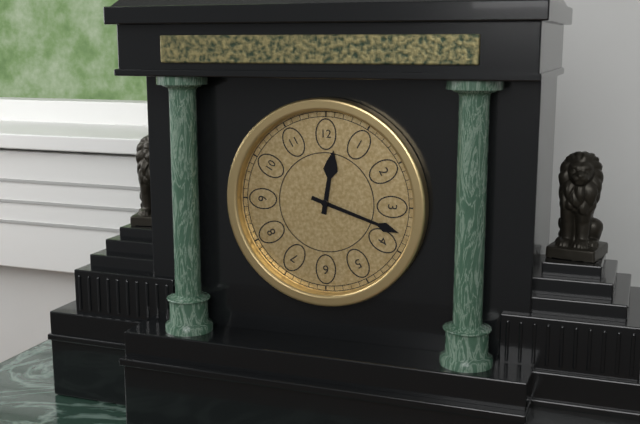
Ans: {"hour": 12, "minute": 18}
